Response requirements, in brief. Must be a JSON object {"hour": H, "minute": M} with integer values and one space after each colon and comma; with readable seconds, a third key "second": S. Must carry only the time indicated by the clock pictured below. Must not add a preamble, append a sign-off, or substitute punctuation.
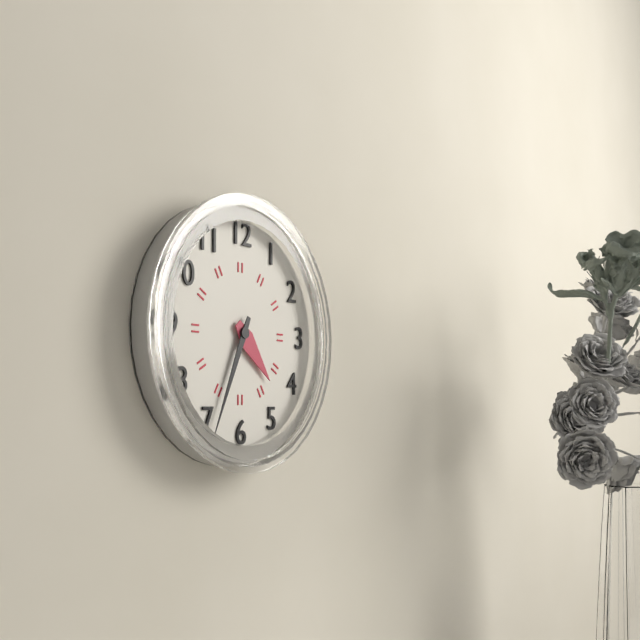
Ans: {"hour": 4, "minute": 34}
